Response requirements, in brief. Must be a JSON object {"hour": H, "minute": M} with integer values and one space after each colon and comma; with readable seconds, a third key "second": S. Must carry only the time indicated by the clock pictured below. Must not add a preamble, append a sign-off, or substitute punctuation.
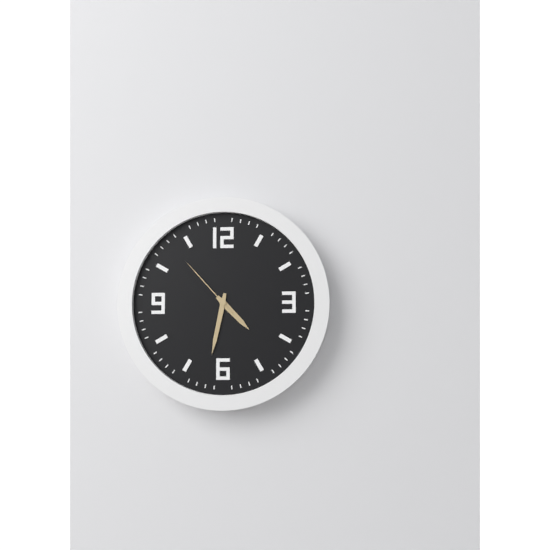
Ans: {"hour": 4, "minute": 32, "second": 53}
